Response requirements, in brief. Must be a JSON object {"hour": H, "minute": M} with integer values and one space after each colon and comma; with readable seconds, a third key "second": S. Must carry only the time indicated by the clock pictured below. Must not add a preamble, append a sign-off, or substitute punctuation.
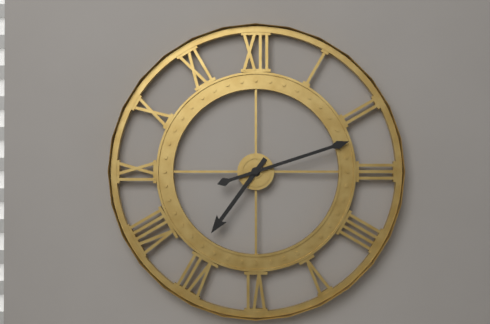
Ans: {"hour": 7, "minute": 12}
